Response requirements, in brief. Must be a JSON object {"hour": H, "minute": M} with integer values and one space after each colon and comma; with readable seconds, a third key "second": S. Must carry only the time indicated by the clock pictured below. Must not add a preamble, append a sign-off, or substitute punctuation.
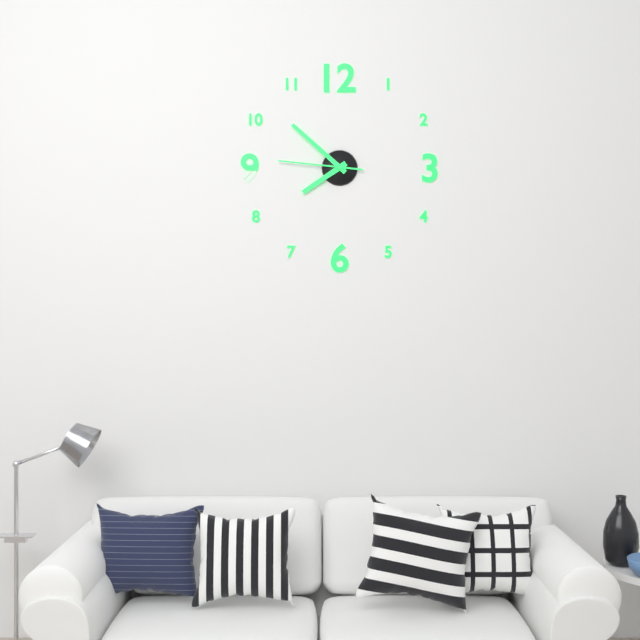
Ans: {"hour": 7, "minute": 52, "second": 46}
